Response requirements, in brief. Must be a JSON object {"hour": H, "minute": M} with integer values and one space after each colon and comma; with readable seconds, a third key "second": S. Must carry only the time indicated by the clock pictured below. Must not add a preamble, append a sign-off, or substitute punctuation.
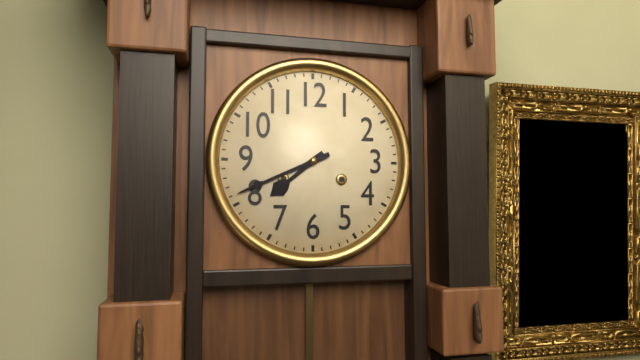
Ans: {"hour": 7, "minute": 41}
